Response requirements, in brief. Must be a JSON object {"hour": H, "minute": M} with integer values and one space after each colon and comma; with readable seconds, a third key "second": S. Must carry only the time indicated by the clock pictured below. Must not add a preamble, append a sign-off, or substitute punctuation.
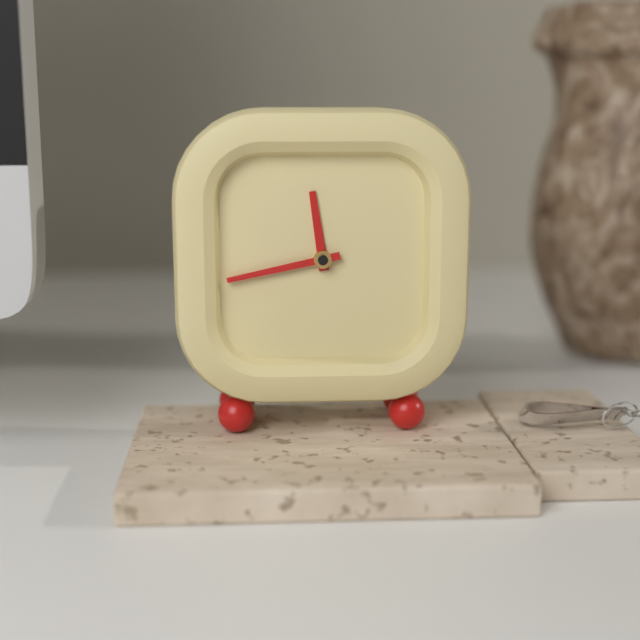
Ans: {"hour": 11, "minute": 43}
